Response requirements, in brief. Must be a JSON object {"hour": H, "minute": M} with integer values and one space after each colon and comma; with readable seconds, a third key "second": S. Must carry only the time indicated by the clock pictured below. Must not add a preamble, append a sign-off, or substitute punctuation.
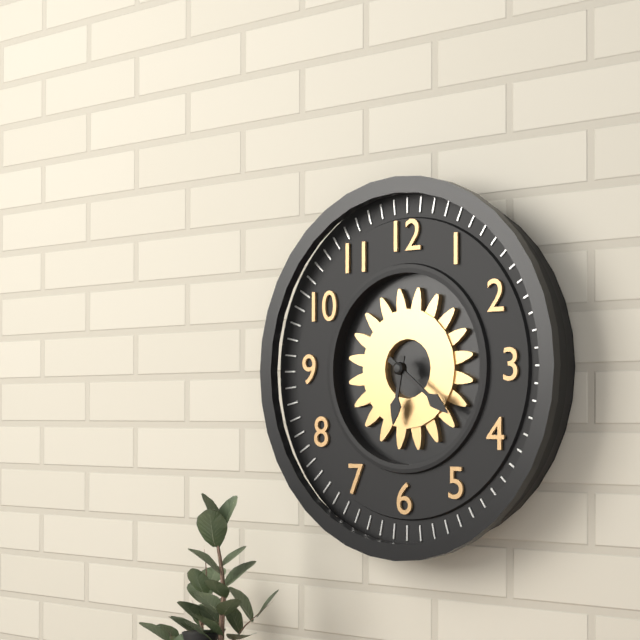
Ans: {"hour": 6, "minute": 21}
